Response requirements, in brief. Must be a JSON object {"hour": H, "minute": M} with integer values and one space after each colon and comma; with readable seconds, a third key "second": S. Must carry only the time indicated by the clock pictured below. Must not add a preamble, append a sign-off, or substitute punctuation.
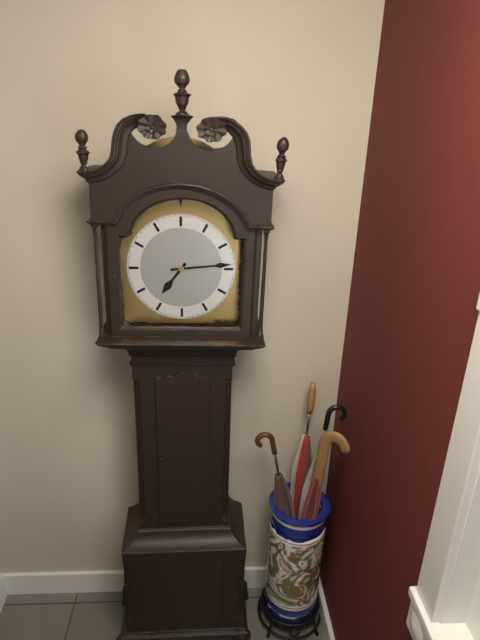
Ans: {"hour": 7, "minute": 14}
